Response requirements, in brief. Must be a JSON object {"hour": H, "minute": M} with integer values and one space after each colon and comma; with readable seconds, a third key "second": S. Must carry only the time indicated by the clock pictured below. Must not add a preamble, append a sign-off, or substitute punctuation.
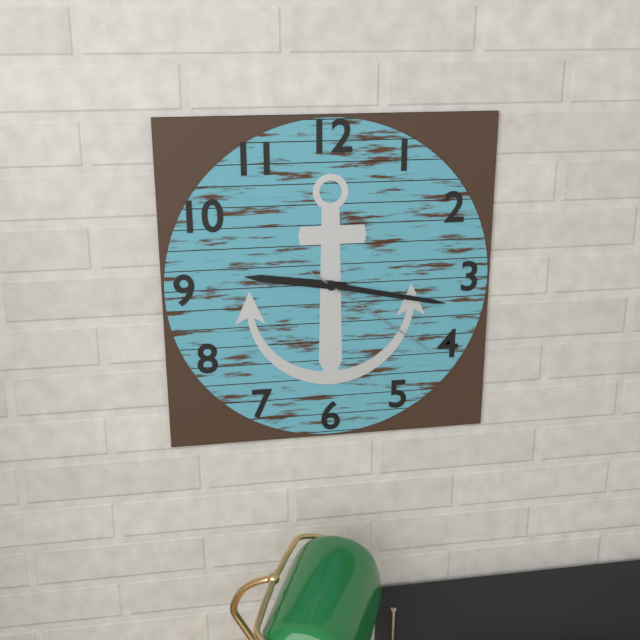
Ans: {"hour": 9, "minute": 17, "second": 21}
